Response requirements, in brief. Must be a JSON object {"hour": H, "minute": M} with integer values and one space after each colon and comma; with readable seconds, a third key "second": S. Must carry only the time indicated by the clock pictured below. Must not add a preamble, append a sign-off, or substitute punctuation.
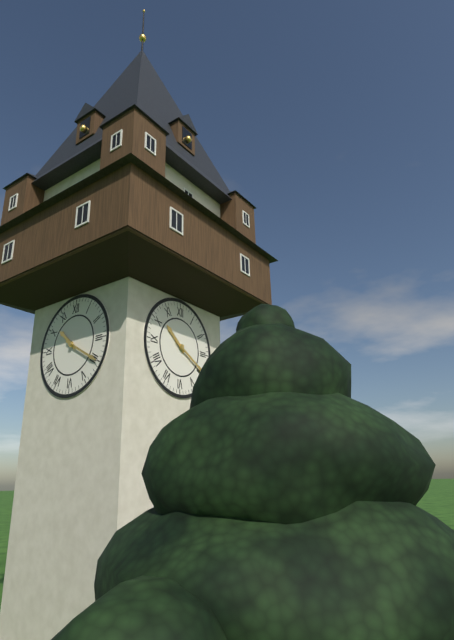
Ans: {"hour": 10, "minute": 20}
